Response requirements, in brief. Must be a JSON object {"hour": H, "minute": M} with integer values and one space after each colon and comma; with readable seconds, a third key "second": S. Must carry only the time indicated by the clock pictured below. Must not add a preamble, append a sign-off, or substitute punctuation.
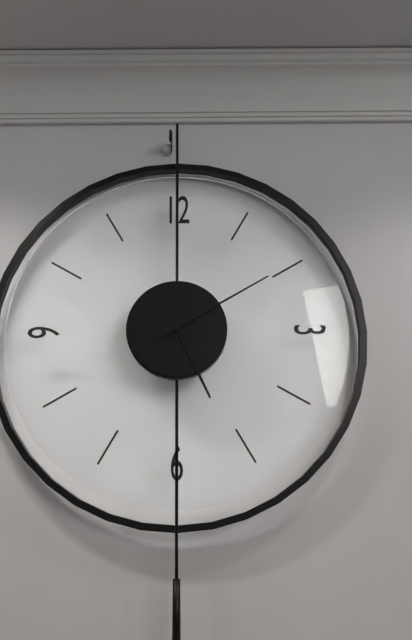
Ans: {"hour": 5, "minute": 10}
